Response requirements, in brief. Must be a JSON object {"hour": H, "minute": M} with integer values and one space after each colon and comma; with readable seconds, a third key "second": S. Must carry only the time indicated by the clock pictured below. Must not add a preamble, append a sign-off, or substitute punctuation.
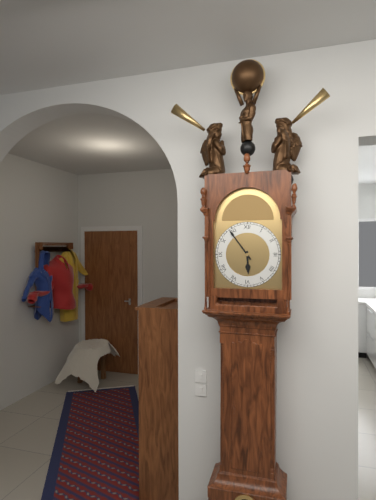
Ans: {"hour": 5, "minute": 54}
